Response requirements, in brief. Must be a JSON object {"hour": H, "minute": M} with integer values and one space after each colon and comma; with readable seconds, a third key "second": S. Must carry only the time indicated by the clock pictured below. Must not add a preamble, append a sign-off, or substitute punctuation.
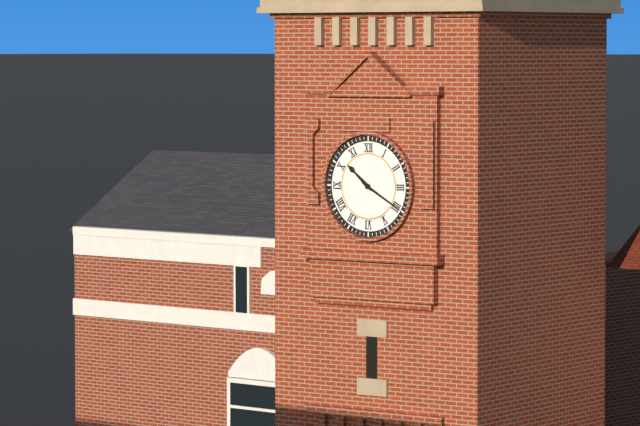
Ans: {"hour": 10, "minute": 20}
